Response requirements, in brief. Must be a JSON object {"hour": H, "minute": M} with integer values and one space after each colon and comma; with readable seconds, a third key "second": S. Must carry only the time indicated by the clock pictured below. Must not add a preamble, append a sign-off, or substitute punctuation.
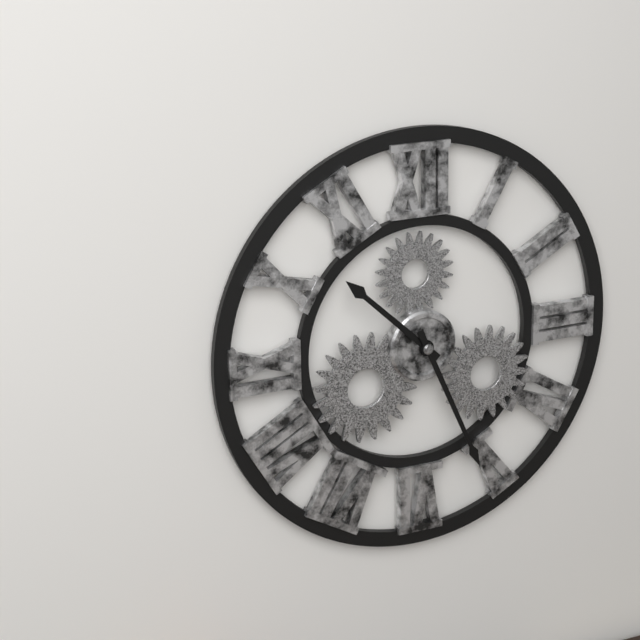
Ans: {"hour": 10, "minute": 26}
